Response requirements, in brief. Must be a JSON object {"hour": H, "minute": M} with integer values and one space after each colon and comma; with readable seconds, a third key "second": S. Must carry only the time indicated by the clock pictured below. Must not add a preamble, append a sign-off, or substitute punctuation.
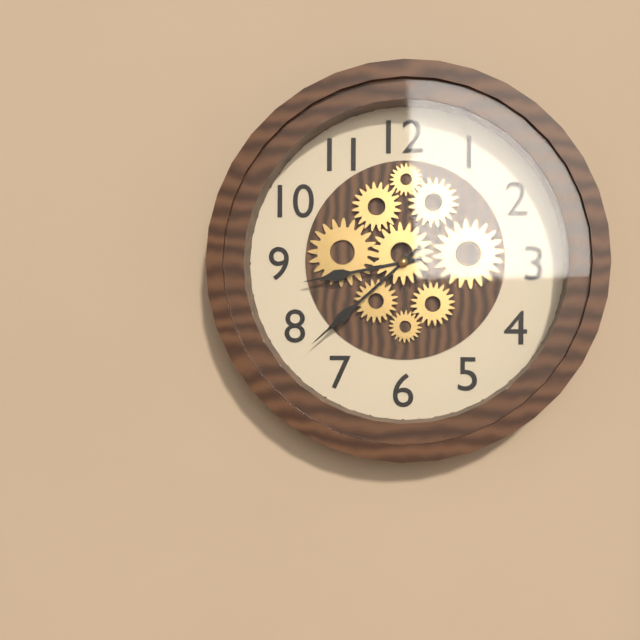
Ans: {"hour": 8, "minute": 38}
